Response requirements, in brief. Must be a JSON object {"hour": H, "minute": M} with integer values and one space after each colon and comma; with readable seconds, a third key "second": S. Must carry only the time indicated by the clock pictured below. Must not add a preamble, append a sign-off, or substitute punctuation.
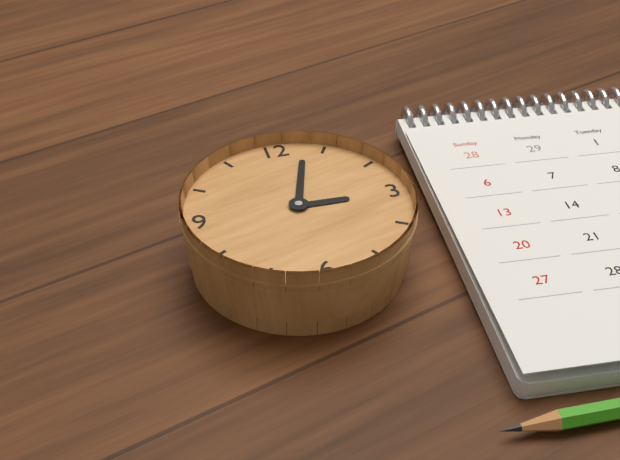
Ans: {"hour": 3, "minute": 3}
